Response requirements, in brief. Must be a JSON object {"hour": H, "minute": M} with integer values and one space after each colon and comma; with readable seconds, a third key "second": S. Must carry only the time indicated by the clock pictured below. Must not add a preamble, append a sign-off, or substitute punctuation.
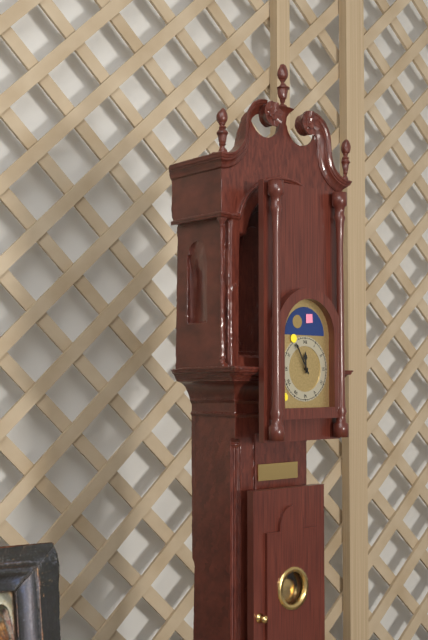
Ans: {"hour": 11, "minute": 55}
